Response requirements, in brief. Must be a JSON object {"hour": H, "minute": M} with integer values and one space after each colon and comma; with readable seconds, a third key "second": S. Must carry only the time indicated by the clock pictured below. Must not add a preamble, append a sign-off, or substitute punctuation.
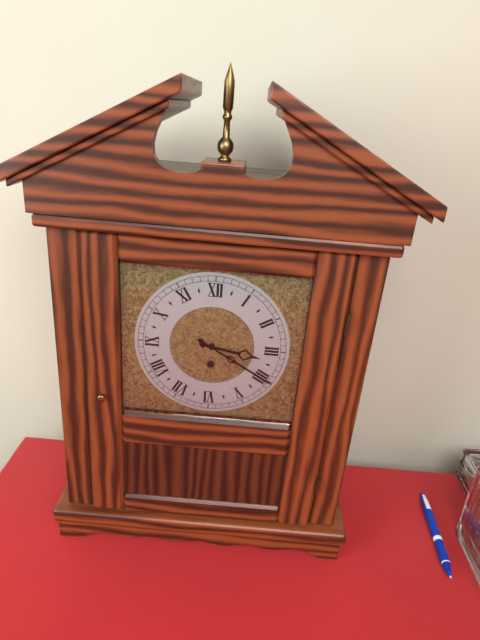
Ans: {"hour": 3, "minute": 20}
